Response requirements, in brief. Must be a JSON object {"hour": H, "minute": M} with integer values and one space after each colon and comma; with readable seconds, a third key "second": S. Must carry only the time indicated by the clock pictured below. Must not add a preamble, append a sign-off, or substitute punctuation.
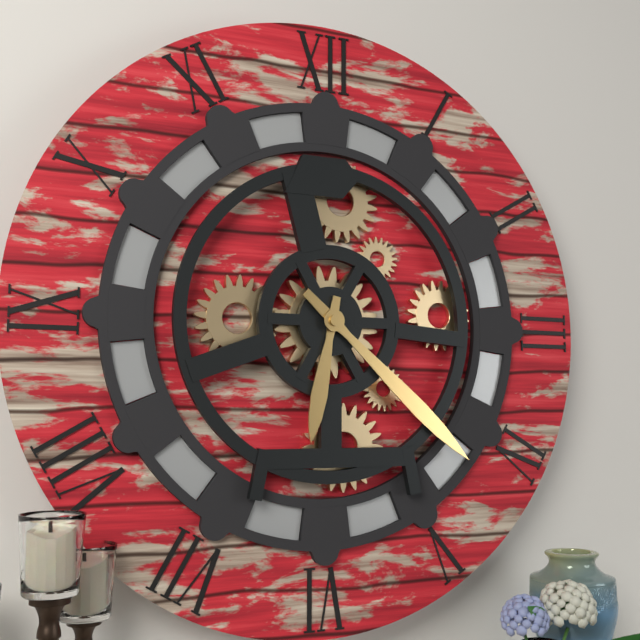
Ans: {"hour": 6, "minute": 22}
